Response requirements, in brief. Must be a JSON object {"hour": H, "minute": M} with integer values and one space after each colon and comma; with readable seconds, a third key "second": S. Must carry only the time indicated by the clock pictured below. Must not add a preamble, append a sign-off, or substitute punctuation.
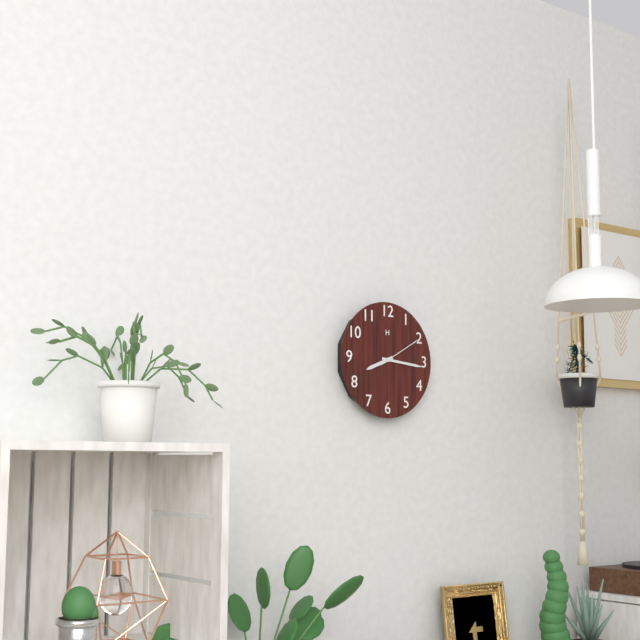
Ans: {"hour": 8, "minute": 16, "second": 10}
